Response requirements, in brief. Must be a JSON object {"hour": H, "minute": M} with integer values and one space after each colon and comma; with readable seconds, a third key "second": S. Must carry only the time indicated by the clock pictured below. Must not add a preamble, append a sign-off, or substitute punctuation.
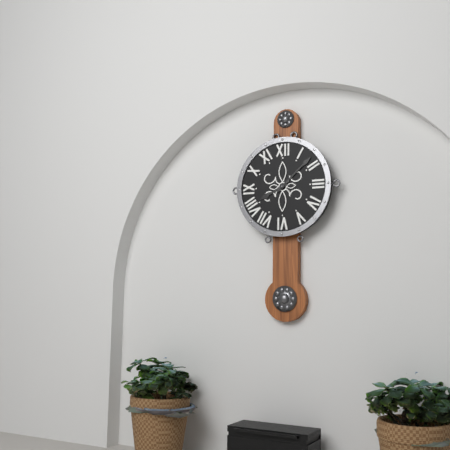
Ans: {"hour": 8, "minute": 8}
